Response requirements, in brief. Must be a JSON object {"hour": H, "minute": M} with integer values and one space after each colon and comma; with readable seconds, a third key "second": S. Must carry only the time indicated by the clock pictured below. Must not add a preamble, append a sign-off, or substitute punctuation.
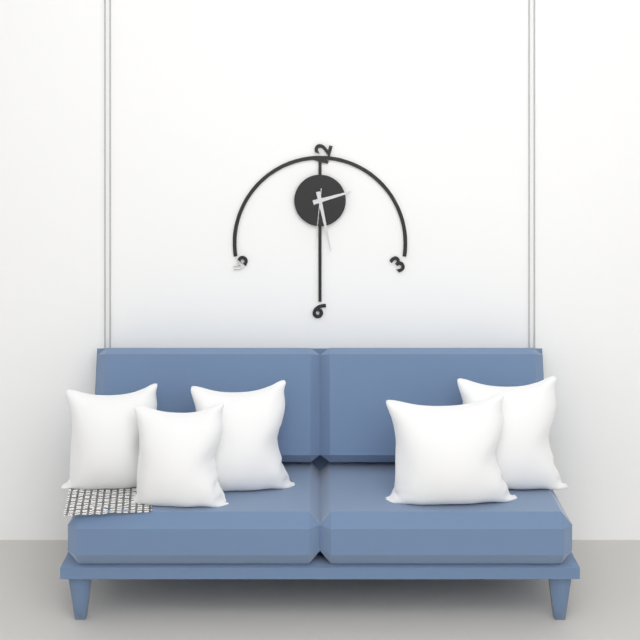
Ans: {"hour": 2, "minute": 28, "second": 31}
